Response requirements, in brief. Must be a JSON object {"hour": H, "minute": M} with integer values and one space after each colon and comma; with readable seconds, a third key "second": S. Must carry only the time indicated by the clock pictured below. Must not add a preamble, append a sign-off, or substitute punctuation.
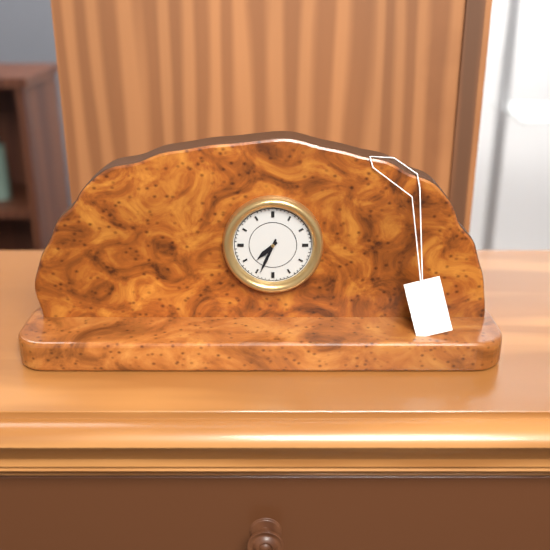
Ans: {"hour": 7, "minute": 34}
